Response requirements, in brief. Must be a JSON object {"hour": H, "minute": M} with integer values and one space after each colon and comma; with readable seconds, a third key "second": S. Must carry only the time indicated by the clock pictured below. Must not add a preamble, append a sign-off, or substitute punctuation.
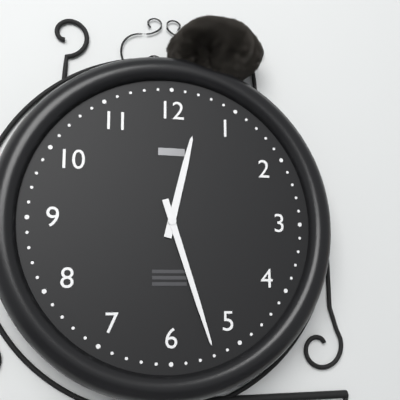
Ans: {"hour": 12, "minute": 27}
